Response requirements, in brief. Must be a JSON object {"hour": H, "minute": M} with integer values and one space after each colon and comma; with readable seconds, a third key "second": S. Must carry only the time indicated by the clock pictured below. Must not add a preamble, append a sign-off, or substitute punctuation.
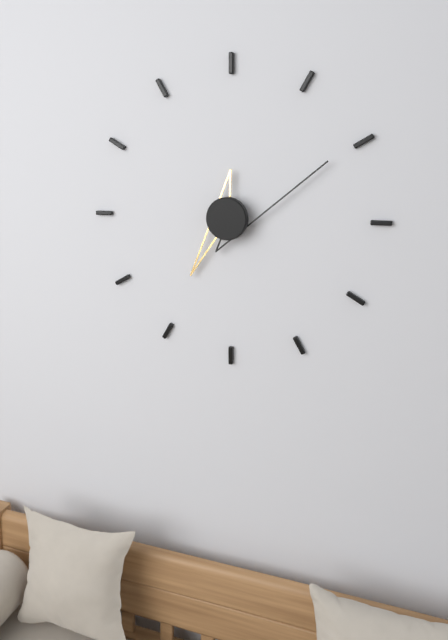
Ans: {"hour": 7, "minute": 10}
